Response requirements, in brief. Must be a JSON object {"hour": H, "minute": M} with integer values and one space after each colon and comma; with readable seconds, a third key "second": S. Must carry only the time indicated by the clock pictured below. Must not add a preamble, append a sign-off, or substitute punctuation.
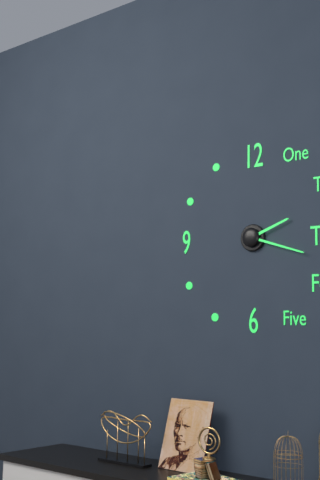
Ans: {"hour": 2, "minute": 18}
